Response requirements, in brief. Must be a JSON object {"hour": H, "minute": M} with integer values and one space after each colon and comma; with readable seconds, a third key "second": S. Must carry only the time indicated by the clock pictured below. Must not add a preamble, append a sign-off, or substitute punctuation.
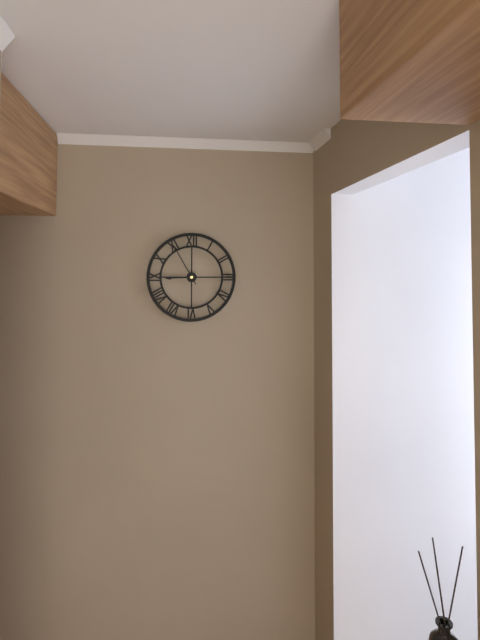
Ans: {"hour": 8, "minute": 55}
